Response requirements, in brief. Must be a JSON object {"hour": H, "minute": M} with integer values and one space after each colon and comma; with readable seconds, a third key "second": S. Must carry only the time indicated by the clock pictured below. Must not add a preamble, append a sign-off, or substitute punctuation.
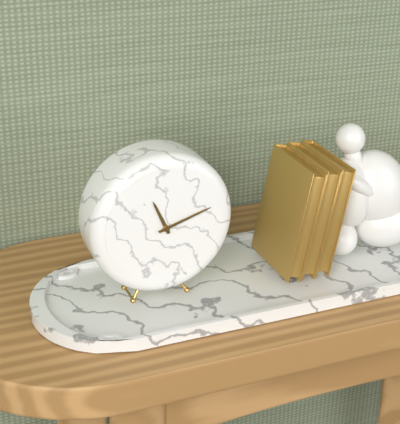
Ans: {"hour": 11, "minute": 12}
